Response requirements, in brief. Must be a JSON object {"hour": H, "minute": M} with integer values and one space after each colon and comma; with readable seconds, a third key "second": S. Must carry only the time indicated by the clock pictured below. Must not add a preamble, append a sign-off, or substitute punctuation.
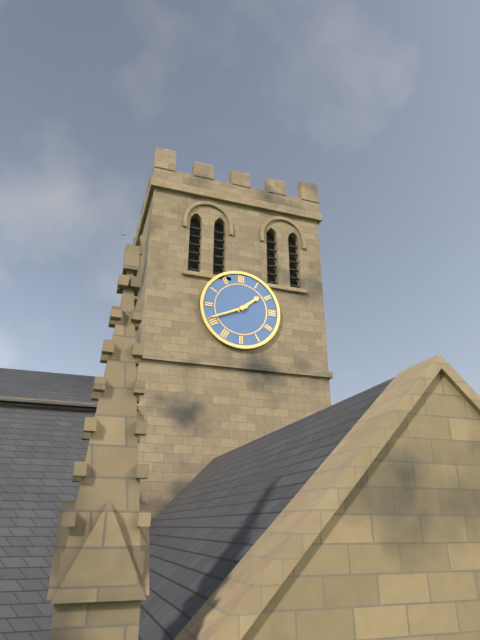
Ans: {"hour": 1, "minute": 41}
